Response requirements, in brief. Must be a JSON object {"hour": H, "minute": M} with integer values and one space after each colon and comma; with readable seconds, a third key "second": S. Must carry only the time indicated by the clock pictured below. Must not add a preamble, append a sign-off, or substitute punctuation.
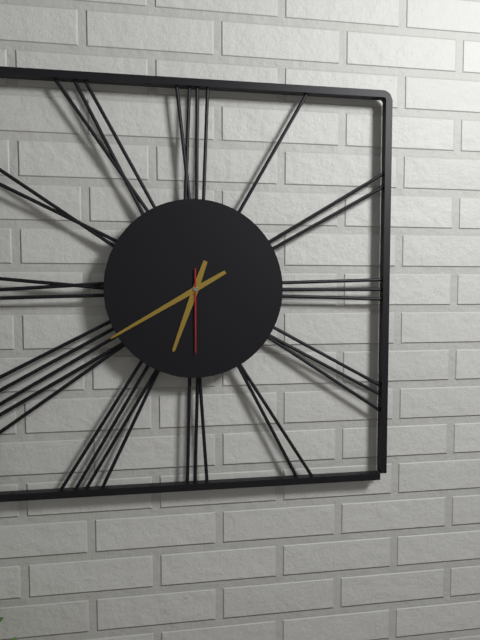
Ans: {"hour": 6, "minute": 40, "second": 30}
